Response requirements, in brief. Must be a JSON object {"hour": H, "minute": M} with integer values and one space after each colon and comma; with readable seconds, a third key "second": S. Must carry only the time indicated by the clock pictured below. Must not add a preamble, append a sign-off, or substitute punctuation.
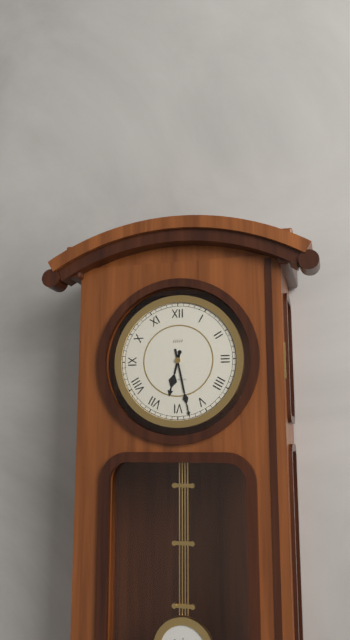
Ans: {"hour": 6, "minute": 28}
